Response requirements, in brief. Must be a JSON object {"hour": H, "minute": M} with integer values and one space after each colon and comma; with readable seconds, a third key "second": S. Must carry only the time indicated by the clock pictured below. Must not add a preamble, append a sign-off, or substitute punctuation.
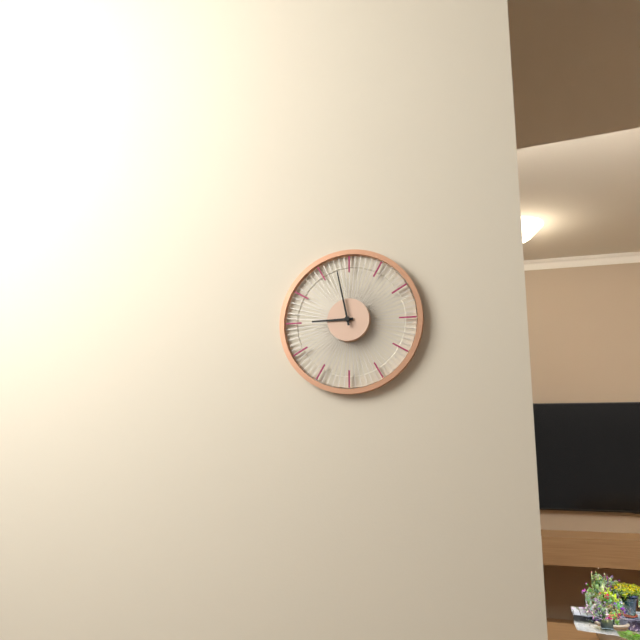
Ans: {"hour": 8, "minute": 58}
